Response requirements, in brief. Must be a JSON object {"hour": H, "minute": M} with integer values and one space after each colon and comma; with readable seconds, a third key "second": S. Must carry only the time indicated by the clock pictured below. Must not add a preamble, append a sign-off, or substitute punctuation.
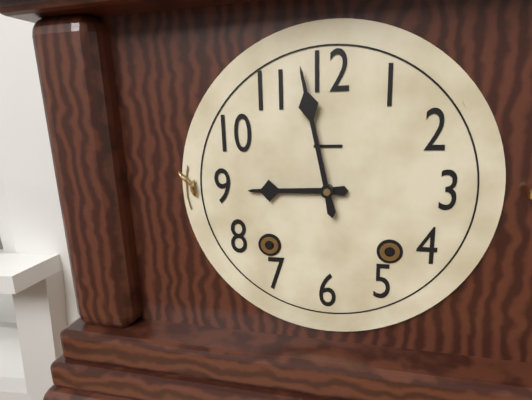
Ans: {"hour": 8, "minute": 58}
